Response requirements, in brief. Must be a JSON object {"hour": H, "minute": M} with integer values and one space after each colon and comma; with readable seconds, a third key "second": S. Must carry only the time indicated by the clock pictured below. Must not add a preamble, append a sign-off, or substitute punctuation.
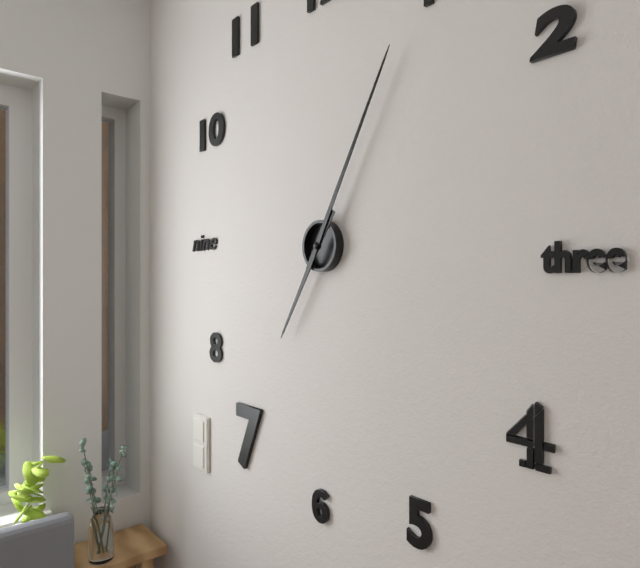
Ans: {"hour": 7, "minute": 5}
